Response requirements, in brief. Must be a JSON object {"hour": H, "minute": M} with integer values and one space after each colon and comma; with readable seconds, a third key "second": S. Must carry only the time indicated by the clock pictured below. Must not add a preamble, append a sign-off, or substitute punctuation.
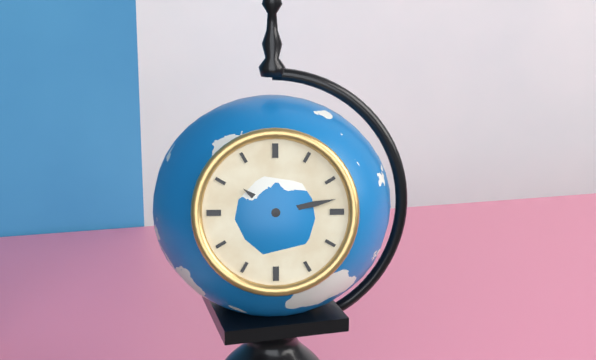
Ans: {"hour": 10, "minute": 13}
